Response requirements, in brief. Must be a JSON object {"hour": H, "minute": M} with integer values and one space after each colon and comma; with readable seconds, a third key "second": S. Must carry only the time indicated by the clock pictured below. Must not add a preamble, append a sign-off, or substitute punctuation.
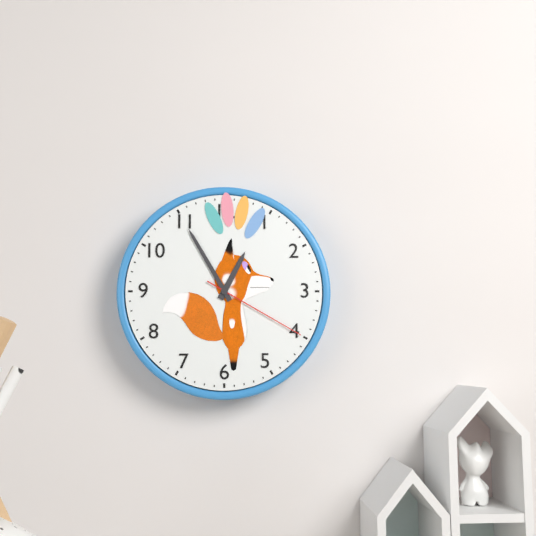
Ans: {"hour": 12, "minute": 55, "second": 20}
